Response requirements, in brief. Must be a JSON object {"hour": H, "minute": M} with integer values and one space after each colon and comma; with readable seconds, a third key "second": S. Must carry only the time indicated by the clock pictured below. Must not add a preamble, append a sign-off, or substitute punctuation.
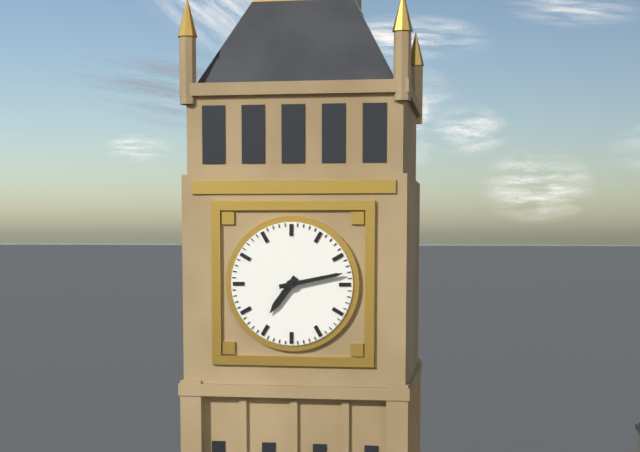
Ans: {"hour": 7, "minute": 13}
